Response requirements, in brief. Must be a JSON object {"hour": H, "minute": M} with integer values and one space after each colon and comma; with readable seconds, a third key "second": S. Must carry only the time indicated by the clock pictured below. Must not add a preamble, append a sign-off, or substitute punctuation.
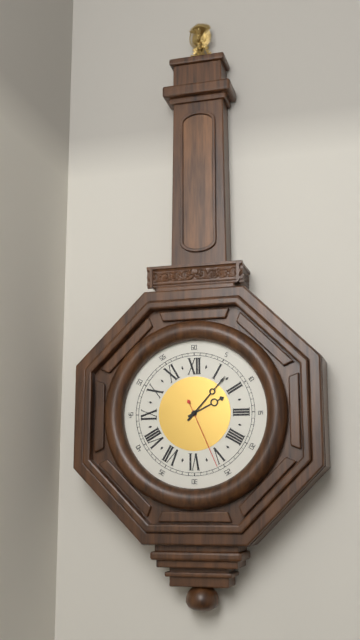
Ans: {"hour": 2, "minute": 7, "second": 26}
